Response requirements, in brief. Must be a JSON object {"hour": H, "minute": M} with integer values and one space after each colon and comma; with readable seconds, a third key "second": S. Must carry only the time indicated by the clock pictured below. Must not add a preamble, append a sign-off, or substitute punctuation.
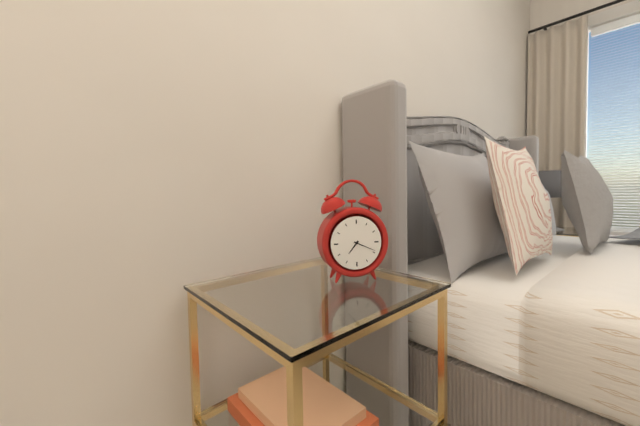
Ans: {"hour": 7, "minute": 19}
